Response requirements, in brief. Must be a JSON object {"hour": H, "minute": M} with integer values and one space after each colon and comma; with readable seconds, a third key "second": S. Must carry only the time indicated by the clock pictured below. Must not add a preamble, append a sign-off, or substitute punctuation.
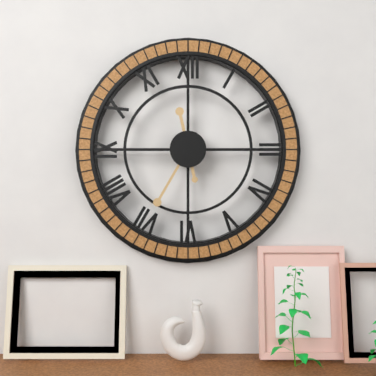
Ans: {"hour": 11, "minute": 35}
